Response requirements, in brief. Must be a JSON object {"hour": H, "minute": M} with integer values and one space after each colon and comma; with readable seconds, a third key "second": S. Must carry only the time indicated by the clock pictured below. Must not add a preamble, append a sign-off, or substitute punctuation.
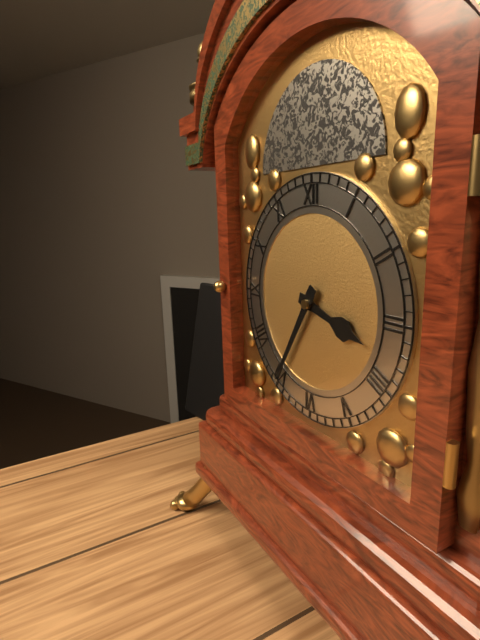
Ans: {"hour": 3, "minute": 35}
